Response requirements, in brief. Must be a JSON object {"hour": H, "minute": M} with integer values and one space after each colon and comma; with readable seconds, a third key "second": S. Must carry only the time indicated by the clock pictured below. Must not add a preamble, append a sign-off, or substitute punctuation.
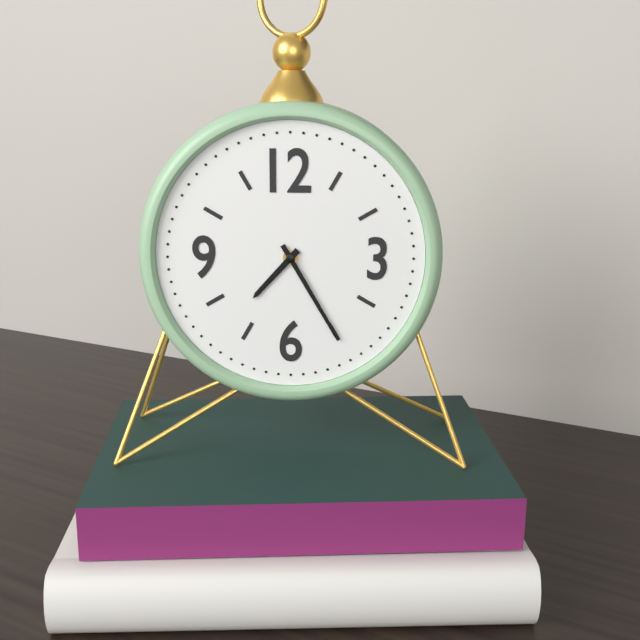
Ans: {"hour": 7, "minute": 25}
